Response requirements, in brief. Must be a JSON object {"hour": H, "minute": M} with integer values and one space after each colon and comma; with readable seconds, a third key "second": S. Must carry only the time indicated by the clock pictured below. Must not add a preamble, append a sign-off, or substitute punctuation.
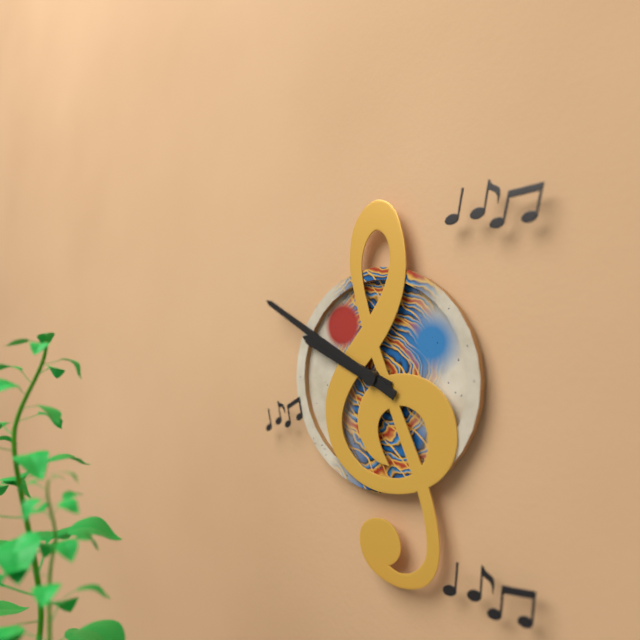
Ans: {"hour": 9, "minute": 50}
